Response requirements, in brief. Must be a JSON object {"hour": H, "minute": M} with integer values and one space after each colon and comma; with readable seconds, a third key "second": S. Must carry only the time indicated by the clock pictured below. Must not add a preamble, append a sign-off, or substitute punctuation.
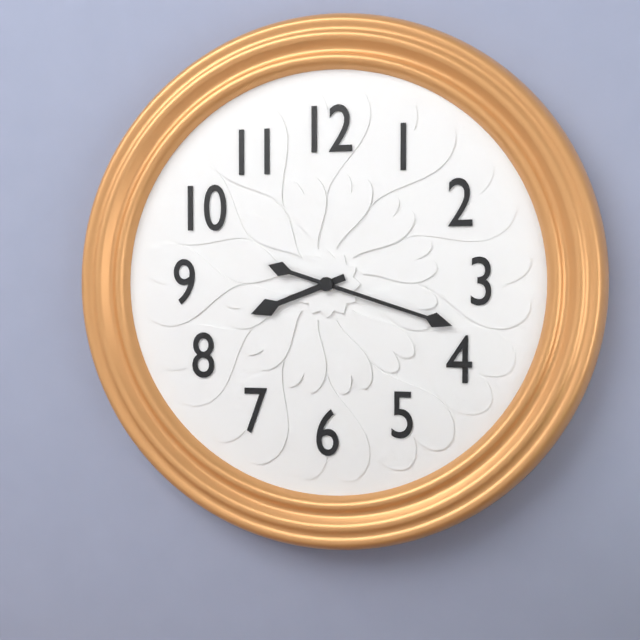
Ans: {"hour": 8, "minute": 18}
